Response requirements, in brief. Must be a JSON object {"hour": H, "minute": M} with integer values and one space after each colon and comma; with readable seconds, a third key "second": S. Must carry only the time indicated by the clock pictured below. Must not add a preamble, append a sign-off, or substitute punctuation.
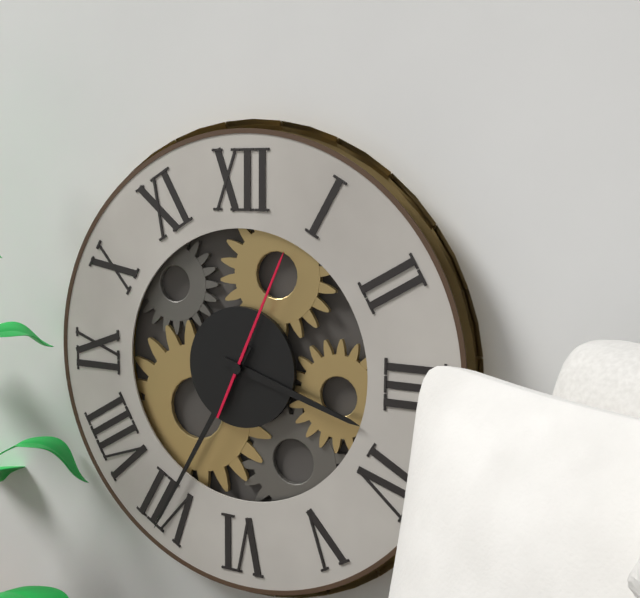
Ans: {"hour": 3, "minute": 35, "second": 4}
